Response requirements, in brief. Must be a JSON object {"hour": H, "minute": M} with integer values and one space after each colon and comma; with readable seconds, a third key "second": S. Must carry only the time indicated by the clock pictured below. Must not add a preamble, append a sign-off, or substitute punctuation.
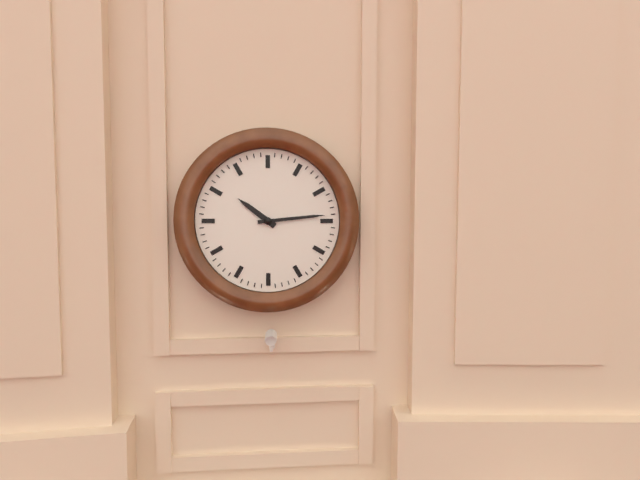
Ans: {"hour": 10, "minute": 14}
